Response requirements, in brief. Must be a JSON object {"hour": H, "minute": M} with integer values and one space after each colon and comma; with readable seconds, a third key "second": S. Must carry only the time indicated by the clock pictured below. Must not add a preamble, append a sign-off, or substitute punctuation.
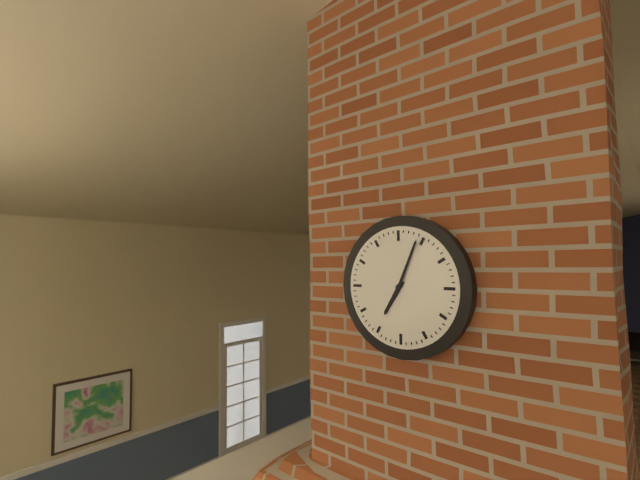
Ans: {"hour": 7, "minute": 4}
